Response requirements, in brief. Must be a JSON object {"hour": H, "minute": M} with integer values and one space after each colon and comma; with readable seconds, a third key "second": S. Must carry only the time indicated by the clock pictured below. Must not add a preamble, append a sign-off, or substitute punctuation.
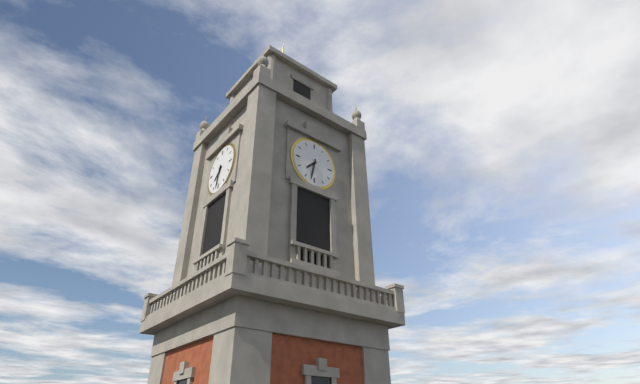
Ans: {"hour": 7, "minute": 32}
